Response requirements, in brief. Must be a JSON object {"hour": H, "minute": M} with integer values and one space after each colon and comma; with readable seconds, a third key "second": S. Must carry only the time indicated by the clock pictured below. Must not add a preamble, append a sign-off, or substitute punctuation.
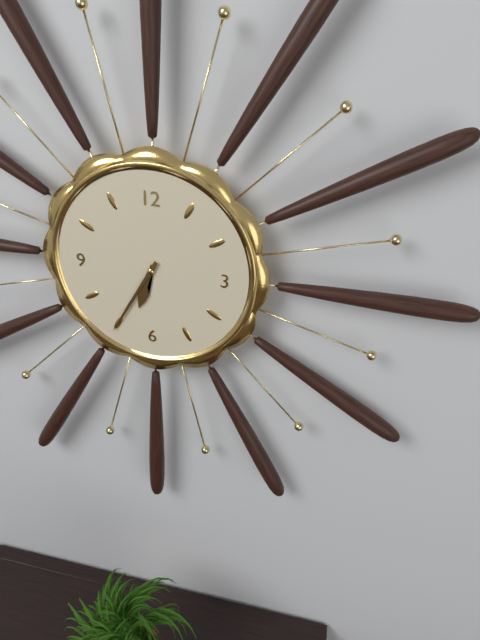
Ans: {"hour": 6, "minute": 35}
